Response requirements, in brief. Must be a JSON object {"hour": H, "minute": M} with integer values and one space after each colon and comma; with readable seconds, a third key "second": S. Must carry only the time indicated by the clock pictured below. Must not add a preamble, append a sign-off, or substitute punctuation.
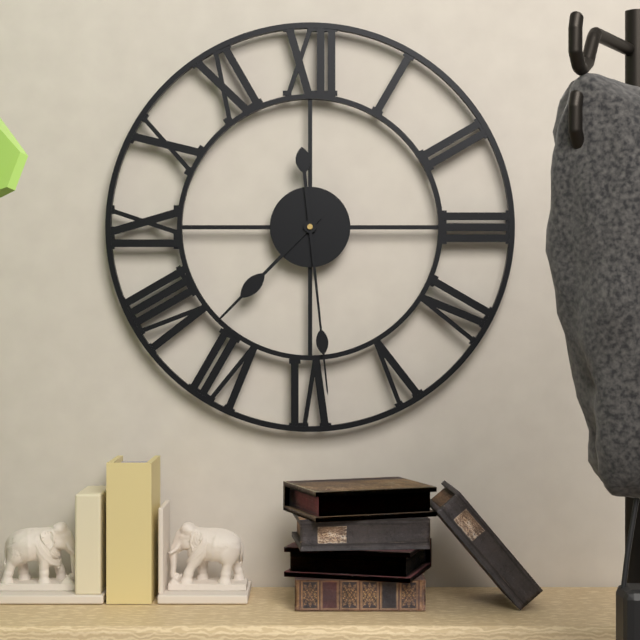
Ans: {"hour": 7, "minute": 29}
